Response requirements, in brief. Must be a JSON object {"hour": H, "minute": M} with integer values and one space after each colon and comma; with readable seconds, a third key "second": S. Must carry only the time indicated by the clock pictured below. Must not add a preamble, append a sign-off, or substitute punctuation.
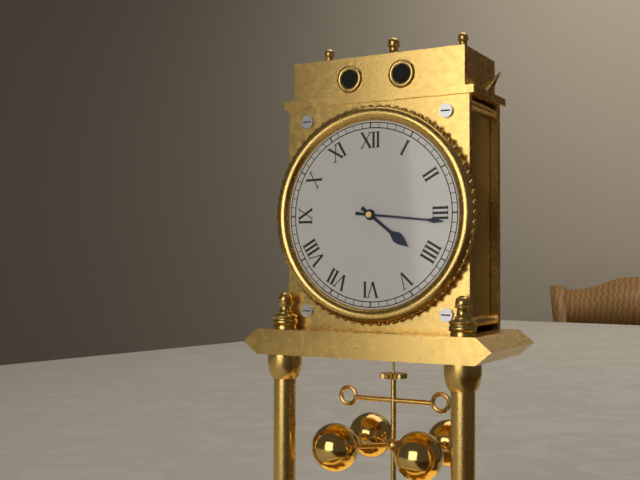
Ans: {"hour": 4, "minute": 16}
